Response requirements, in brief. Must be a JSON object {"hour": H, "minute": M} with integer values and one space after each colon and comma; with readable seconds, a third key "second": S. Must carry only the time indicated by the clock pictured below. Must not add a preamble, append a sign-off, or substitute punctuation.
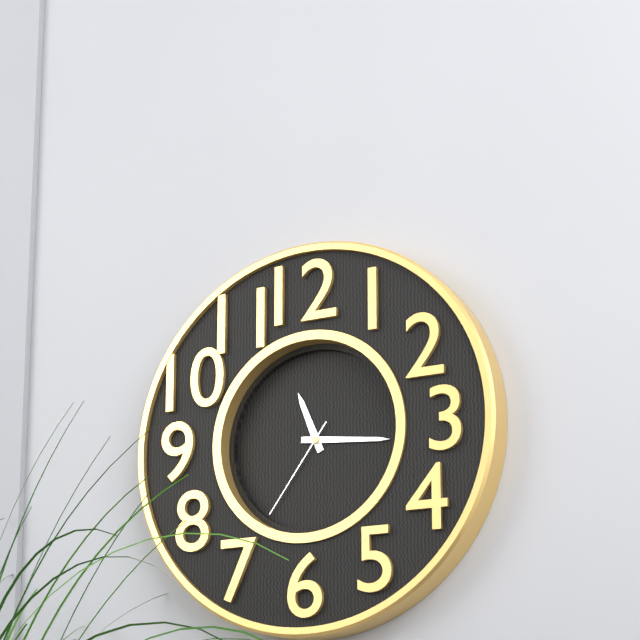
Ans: {"hour": 11, "minute": 16, "second": 36}
